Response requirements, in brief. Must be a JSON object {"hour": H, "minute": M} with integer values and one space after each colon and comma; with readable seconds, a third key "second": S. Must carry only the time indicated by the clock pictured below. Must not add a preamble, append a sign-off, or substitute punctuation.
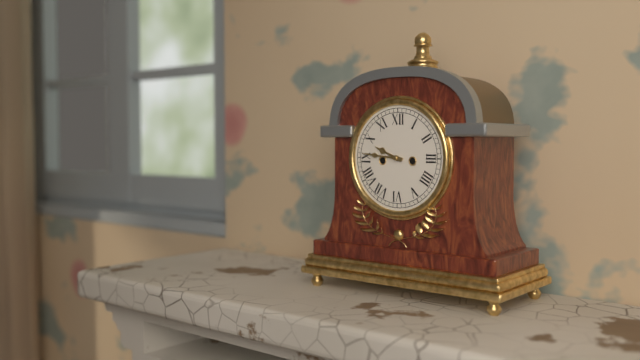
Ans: {"hour": 9, "minute": 46}
